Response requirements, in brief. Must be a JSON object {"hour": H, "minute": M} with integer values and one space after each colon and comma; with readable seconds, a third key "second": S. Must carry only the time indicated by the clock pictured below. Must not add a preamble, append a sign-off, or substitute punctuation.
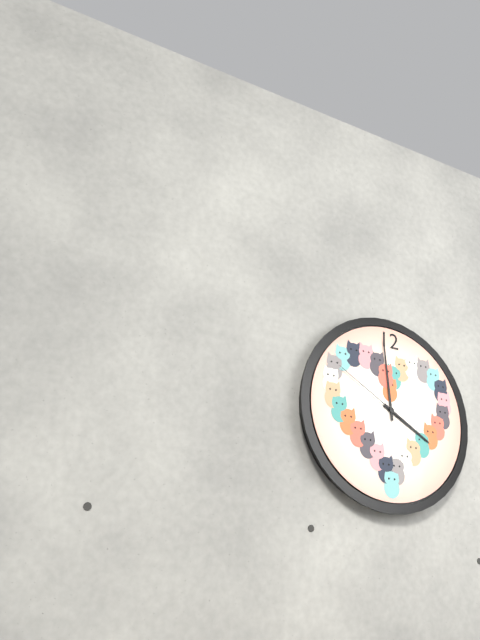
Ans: {"hour": 3, "minute": 59, "second": 50}
